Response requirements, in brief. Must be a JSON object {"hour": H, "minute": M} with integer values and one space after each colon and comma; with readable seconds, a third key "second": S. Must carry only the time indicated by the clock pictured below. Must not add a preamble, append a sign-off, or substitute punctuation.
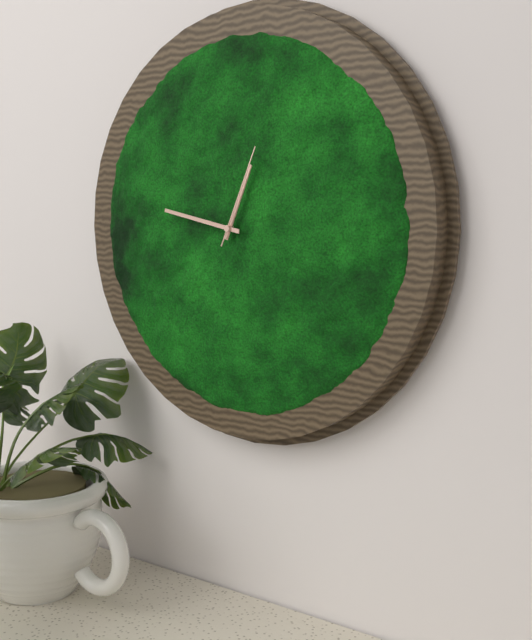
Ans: {"hour": 12, "minute": 47, "second": 4}
